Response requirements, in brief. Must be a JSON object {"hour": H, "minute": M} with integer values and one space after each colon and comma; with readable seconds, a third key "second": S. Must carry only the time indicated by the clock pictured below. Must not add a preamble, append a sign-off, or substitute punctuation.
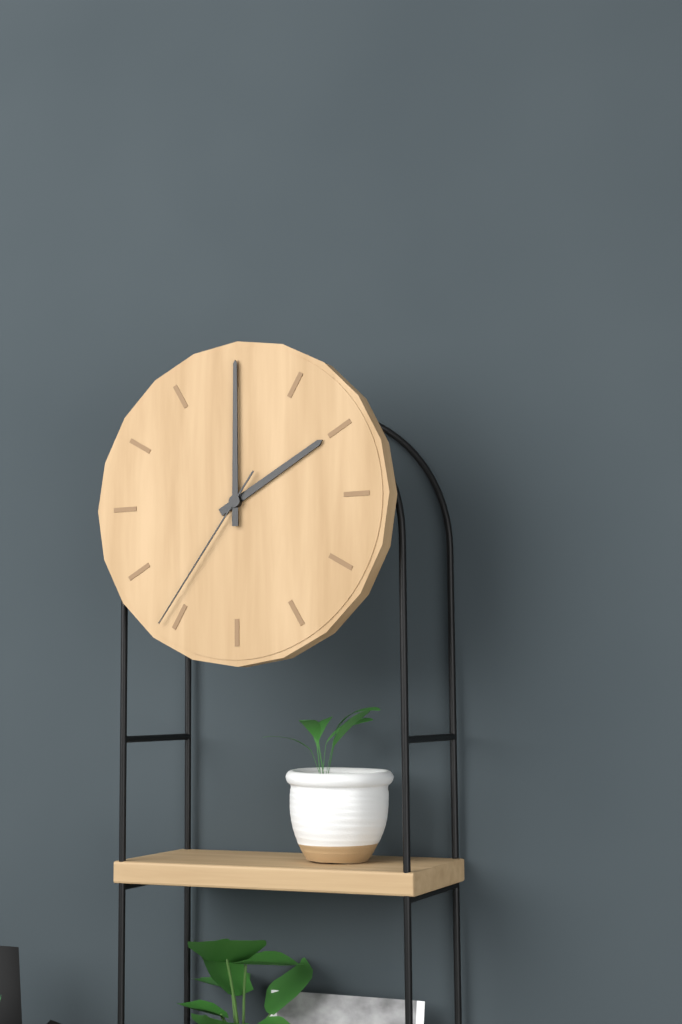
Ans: {"hour": 2, "minute": 0, "second": 36}
